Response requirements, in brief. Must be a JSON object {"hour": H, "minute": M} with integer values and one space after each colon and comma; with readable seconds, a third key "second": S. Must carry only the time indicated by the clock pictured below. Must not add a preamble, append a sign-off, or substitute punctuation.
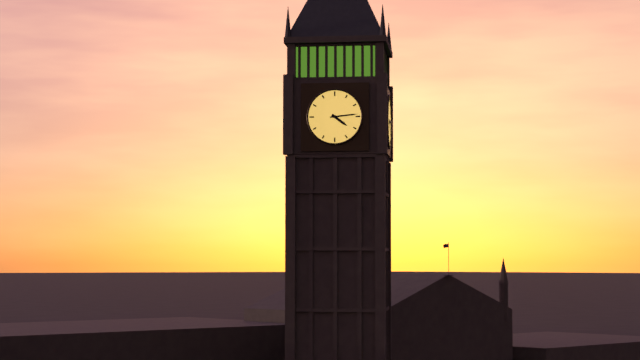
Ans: {"hour": 4, "minute": 14}
